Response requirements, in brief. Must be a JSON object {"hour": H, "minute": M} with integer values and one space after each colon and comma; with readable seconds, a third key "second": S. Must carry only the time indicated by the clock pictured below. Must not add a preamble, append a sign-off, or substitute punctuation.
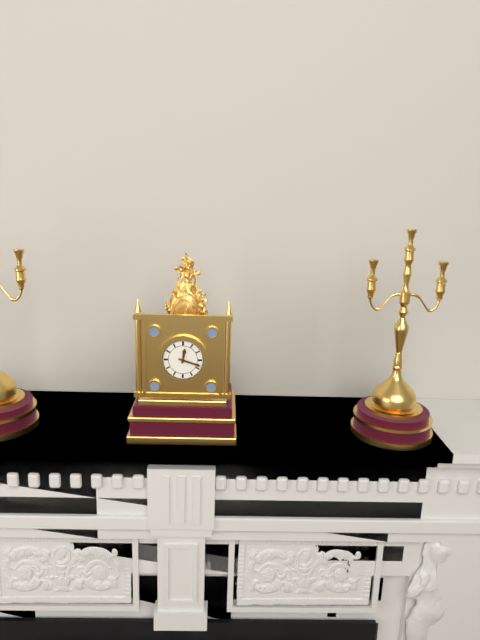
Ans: {"hour": 12, "minute": 18}
